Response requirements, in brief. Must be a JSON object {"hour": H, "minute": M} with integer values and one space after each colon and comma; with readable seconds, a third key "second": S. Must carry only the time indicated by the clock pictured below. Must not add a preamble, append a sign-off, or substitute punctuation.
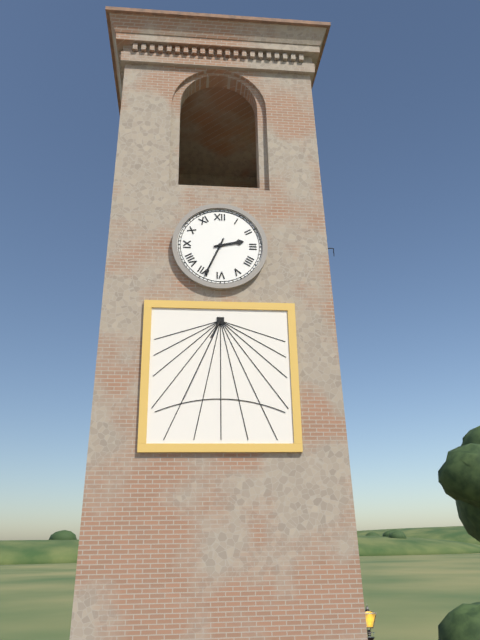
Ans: {"hour": 2, "minute": 34}
